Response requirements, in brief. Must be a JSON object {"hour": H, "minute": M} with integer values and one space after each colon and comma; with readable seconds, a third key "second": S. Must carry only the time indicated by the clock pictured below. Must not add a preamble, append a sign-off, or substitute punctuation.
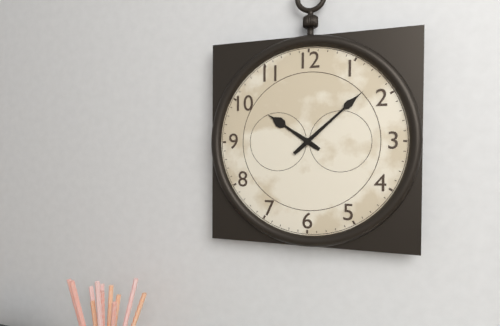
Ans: {"hour": 10, "minute": 8}
